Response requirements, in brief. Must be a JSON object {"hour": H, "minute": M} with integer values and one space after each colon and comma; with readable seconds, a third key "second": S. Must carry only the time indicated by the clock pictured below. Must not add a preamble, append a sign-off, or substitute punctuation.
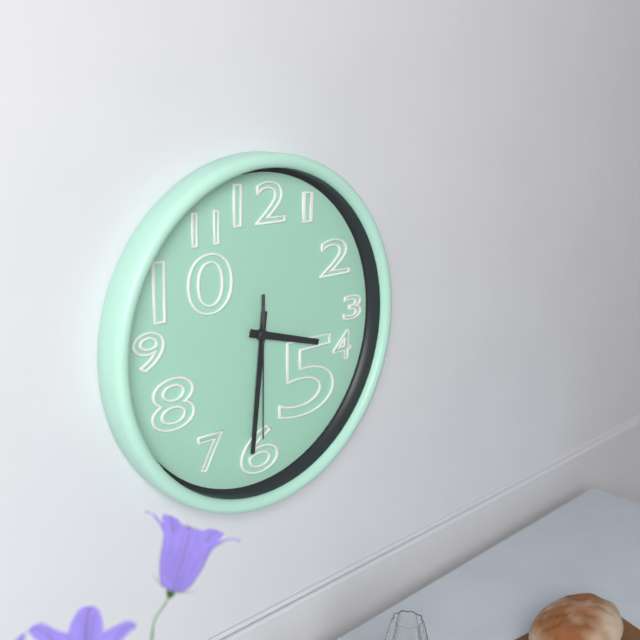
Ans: {"hour": 3, "minute": 31, "second": 30}
